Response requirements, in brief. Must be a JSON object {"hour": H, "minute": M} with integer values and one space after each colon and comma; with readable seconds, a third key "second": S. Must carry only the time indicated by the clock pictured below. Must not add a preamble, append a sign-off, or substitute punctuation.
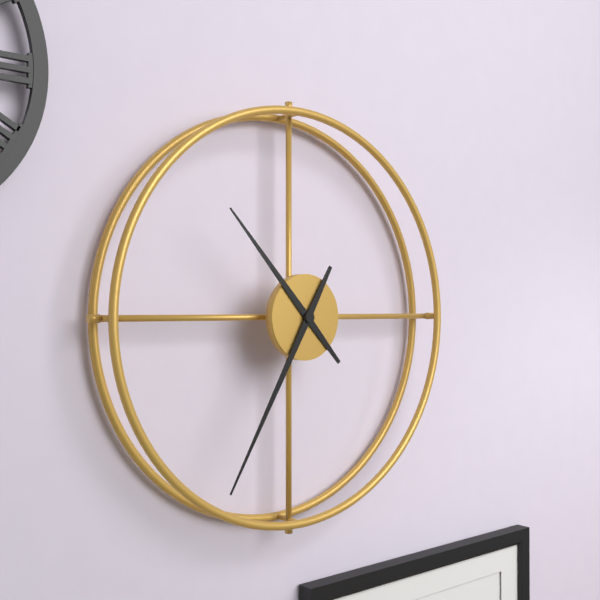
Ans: {"hour": 10, "minute": 35}
